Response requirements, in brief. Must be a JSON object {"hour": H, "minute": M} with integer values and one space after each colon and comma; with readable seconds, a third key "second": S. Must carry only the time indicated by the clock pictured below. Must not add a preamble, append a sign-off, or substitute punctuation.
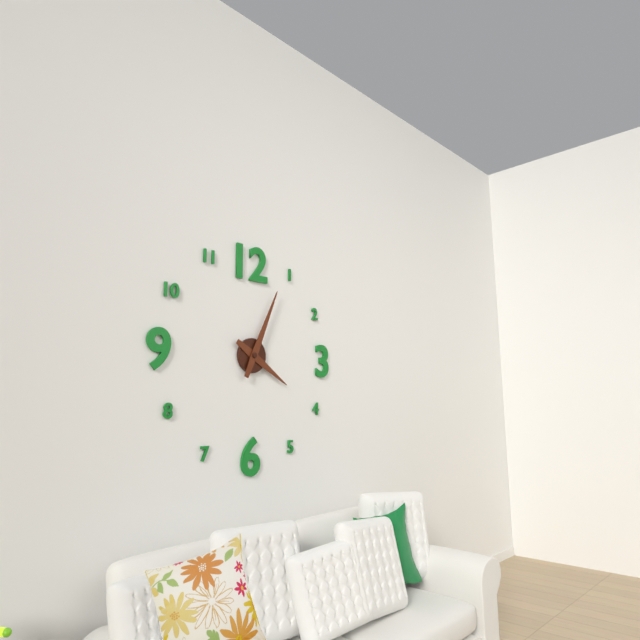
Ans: {"hour": 4, "minute": 4}
